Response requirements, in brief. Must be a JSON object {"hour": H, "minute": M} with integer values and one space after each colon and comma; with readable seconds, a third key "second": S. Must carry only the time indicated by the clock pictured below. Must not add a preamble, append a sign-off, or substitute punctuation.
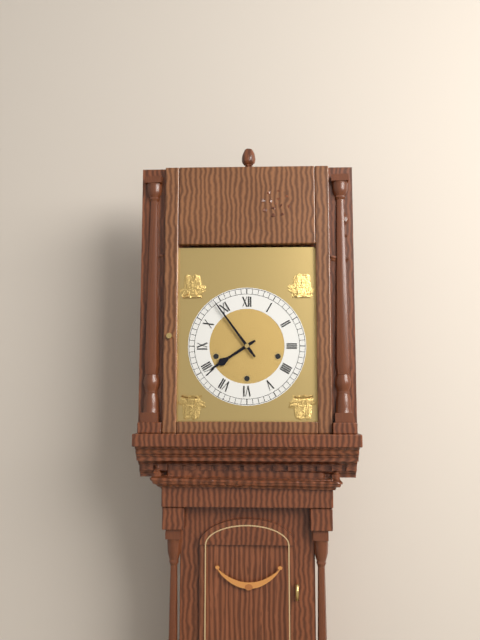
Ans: {"hour": 7, "minute": 54}
